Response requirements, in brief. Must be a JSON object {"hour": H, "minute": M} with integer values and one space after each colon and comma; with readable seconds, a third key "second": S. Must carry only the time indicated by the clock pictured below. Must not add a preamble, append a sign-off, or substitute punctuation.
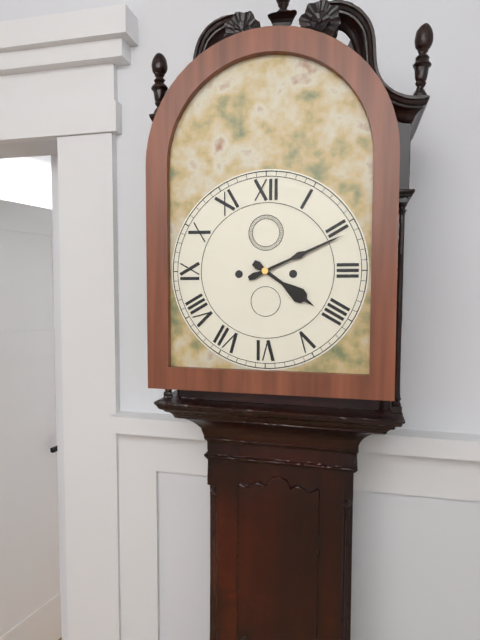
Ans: {"hour": 4, "minute": 11}
